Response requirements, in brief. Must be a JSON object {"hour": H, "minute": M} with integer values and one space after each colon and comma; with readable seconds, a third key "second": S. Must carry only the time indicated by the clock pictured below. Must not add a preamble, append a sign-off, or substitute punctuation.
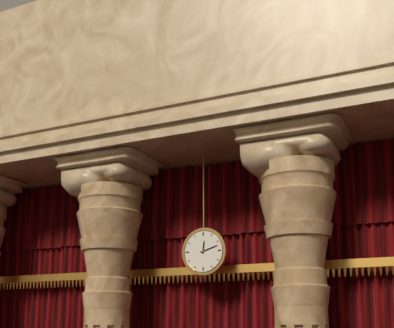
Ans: {"hour": 12, "minute": 12}
